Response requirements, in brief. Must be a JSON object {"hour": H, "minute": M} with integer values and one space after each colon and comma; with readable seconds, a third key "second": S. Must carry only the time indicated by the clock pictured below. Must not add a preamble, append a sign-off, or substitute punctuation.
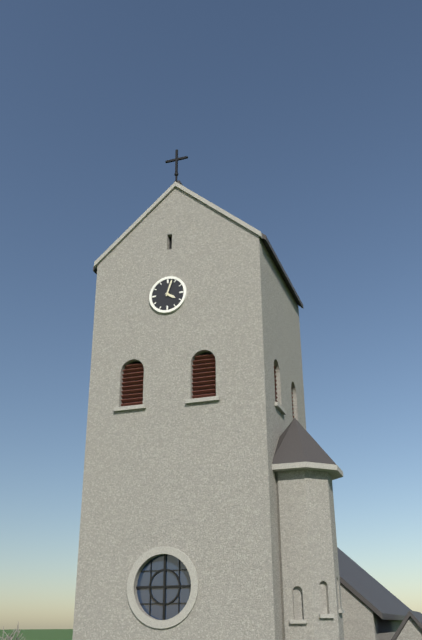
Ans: {"hour": 4, "minute": 3}
